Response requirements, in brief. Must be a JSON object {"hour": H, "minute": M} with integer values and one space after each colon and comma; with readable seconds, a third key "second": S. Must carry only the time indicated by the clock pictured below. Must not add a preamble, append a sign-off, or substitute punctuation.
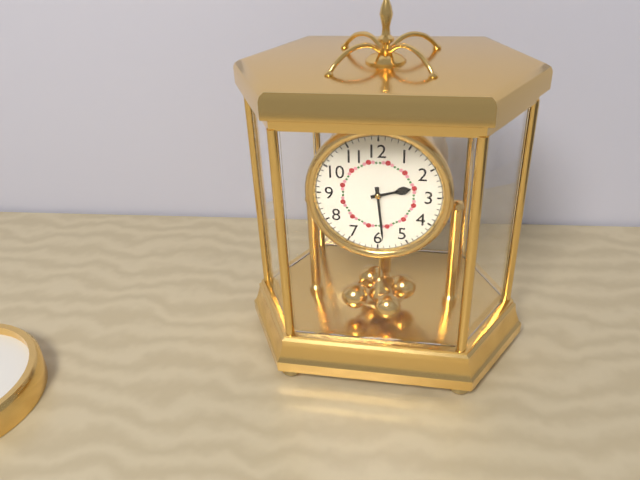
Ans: {"hour": 2, "minute": 29}
